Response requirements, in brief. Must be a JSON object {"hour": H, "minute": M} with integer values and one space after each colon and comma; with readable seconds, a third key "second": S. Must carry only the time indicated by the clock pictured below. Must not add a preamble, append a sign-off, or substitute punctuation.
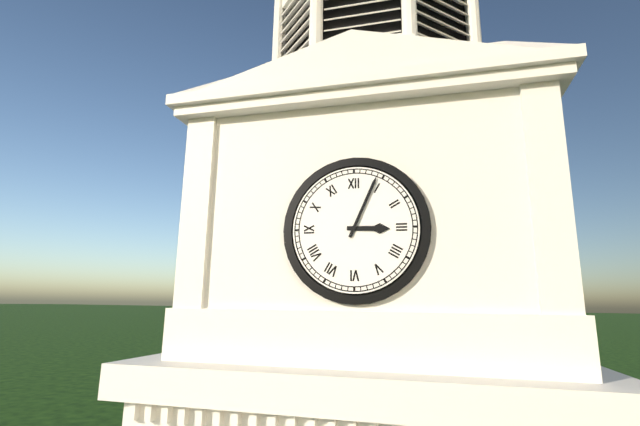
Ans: {"hour": 3, "minute": 4}
